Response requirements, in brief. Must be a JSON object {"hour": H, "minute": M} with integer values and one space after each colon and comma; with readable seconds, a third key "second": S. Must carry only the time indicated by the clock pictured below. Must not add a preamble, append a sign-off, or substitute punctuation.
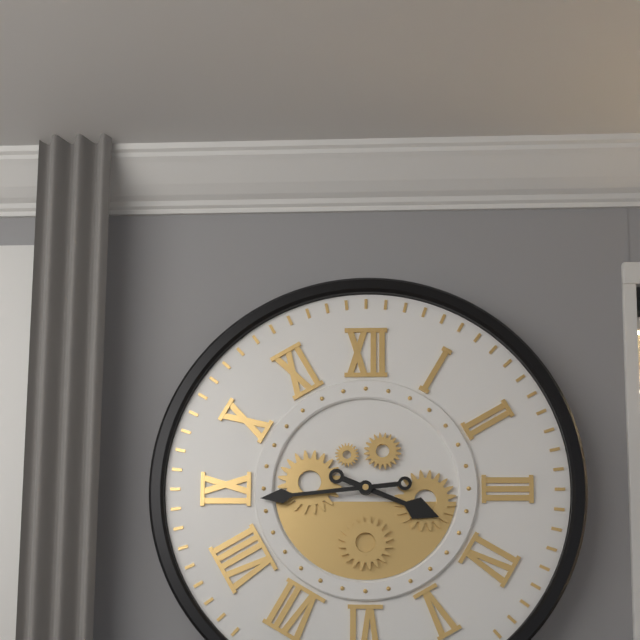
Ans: {"hour": 3, "minute": 44}
